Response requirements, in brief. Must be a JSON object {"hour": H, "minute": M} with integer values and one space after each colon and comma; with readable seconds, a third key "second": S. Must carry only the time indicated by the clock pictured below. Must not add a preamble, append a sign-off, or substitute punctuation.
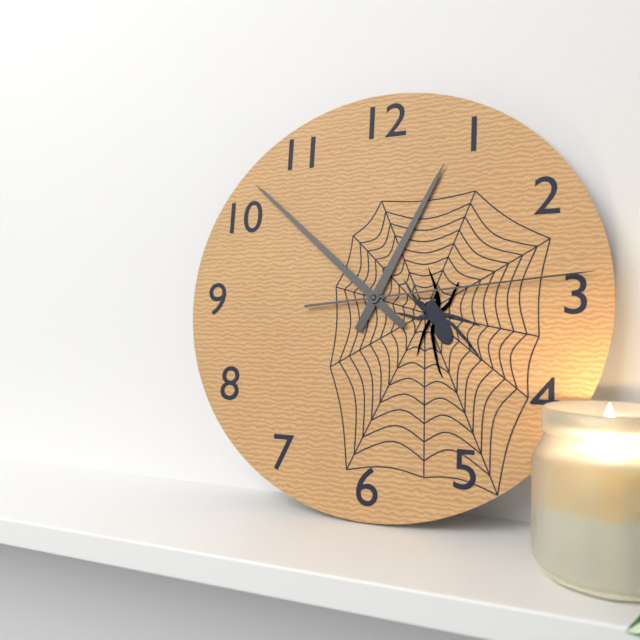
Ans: {"hour": 12, "minute": 52, "second": 14}
